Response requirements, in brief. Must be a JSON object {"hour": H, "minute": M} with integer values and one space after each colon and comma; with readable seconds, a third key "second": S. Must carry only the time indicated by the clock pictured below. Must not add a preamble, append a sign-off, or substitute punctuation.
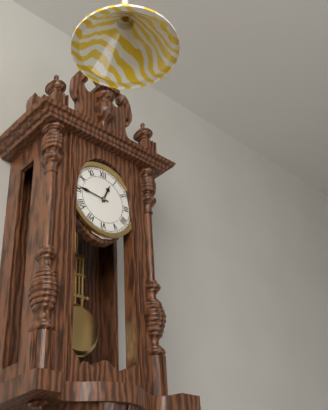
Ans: {"hour": 12, "minute": 46}
